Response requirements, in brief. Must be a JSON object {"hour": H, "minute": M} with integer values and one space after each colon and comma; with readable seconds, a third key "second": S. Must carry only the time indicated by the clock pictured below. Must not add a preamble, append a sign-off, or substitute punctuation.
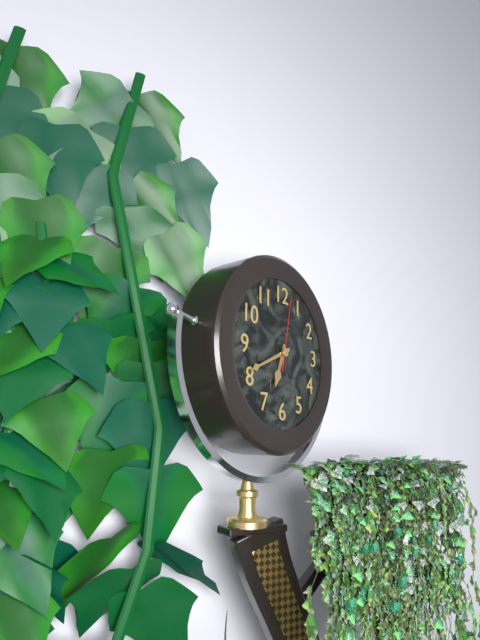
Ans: {"hour": 6, "minute": 41, "second": 2}
